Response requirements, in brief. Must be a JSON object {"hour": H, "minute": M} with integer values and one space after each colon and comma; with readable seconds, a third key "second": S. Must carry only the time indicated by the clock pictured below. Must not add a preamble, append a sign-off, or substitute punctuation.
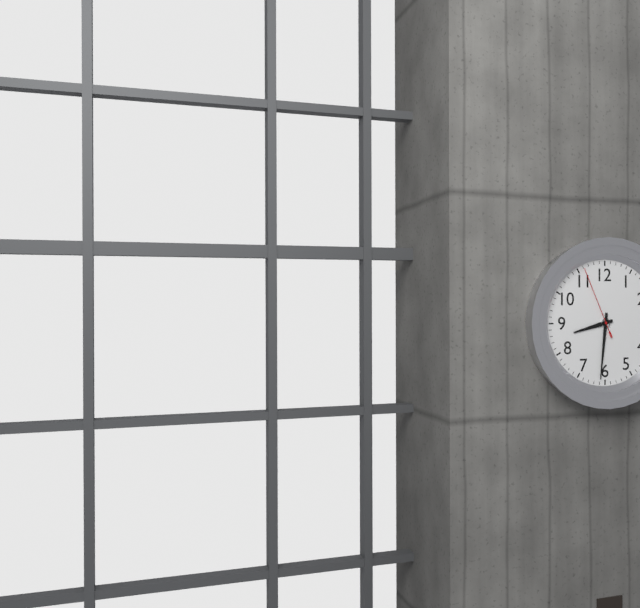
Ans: {"hour": 8, "minute": 31, "second": 56}
